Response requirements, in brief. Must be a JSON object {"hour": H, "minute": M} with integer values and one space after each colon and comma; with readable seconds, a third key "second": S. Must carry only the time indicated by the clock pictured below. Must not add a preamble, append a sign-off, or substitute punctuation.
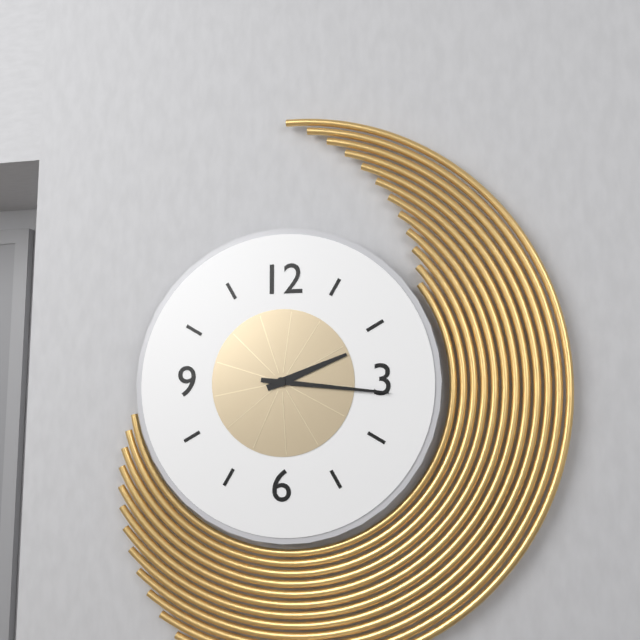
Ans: {"hour": 2, "minute": 16}
